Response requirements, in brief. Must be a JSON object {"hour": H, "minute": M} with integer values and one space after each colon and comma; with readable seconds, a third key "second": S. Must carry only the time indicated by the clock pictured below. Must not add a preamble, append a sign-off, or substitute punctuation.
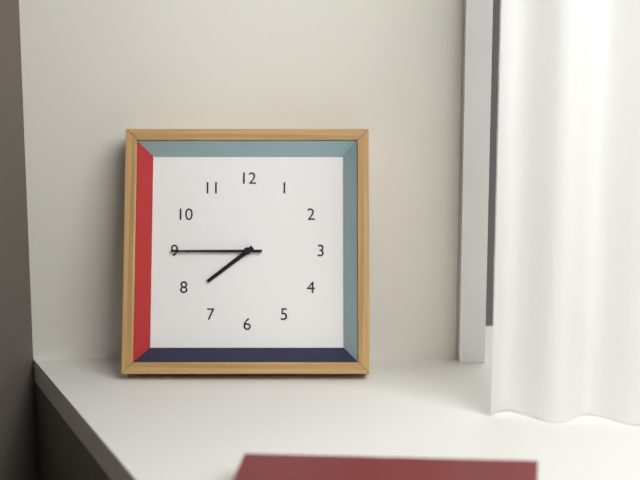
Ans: {"hour": 7, "minute": 45}
